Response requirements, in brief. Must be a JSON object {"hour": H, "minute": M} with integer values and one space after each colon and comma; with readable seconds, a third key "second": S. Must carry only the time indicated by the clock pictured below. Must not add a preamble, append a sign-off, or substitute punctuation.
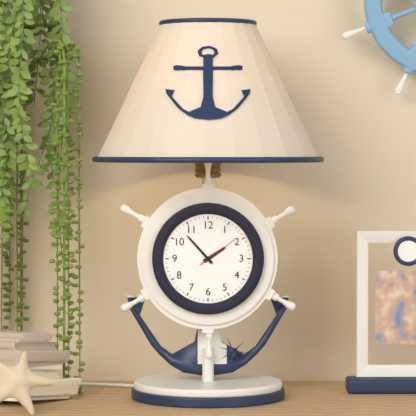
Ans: {"hour": 1, "minute": 53}
